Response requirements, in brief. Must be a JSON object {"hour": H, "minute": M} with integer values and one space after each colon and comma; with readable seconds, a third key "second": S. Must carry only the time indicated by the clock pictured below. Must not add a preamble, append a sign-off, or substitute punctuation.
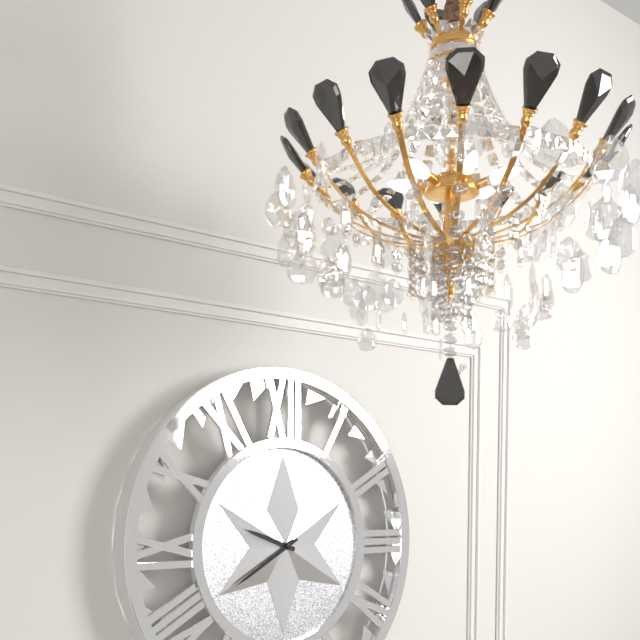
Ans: {"hour": 9, "minute": 40}
